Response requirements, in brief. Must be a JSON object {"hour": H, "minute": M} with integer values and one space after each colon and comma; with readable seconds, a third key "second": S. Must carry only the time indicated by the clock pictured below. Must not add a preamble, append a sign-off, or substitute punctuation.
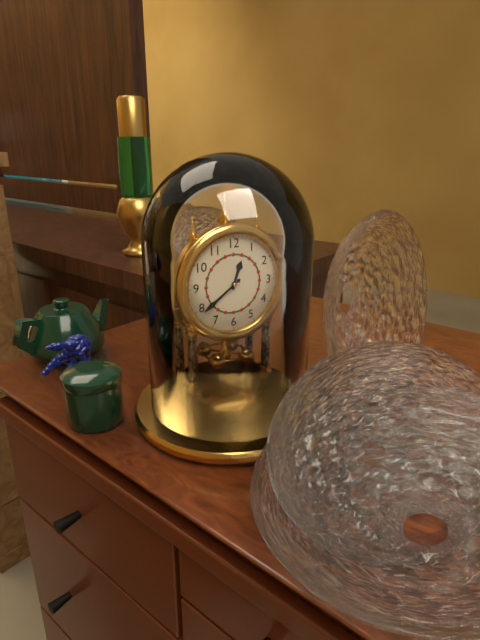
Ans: {"hour": 12, "minute": 39}
